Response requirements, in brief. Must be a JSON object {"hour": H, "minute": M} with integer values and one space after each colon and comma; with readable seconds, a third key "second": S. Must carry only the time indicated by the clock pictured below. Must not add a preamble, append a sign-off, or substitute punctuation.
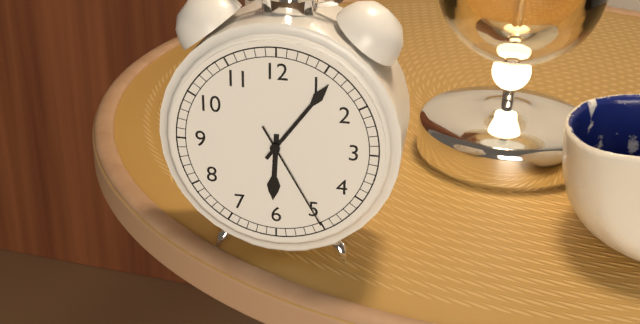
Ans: {"hour": 6, "minute": 6, "second": 25}
